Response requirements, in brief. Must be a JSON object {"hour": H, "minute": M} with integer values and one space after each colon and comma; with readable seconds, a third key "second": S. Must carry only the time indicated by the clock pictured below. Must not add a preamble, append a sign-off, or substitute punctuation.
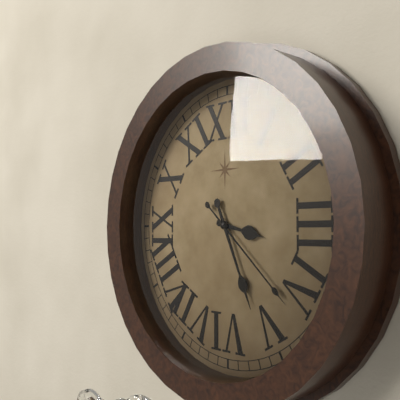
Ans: {"hour": 3, "minute": 26, "second": 22}
